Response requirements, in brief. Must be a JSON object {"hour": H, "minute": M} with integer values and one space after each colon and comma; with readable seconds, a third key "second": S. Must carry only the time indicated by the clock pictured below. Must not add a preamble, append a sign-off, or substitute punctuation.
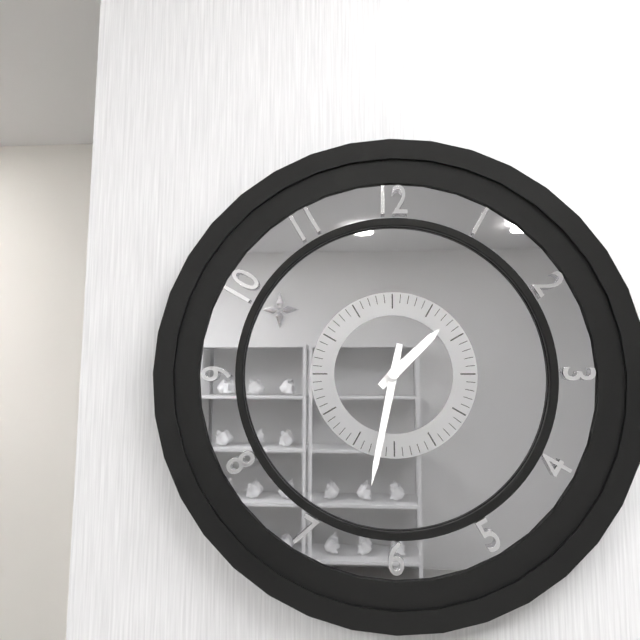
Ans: {"hour": 1, "minute": 32}
